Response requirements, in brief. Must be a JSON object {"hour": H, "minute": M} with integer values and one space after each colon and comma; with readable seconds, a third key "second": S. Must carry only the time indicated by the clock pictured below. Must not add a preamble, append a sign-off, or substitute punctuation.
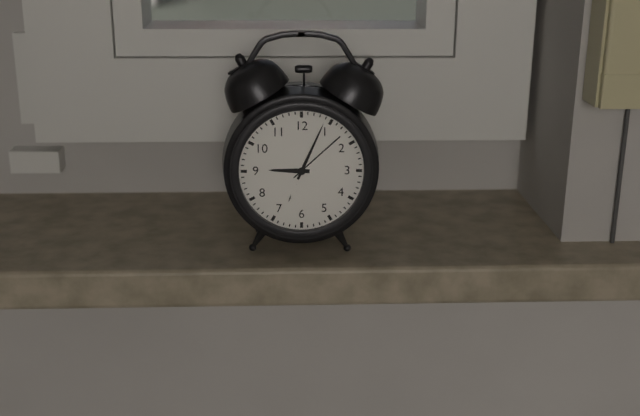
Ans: {"hour": 9, "minute": 4}
